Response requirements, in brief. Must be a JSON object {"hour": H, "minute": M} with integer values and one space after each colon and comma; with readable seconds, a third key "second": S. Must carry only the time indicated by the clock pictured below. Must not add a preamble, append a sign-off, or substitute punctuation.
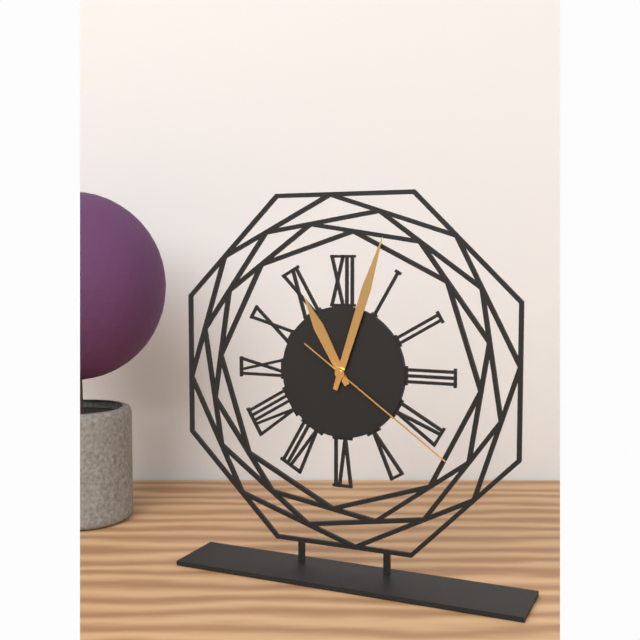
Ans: {"hour": 11, "minute": 3, "second": 21}
